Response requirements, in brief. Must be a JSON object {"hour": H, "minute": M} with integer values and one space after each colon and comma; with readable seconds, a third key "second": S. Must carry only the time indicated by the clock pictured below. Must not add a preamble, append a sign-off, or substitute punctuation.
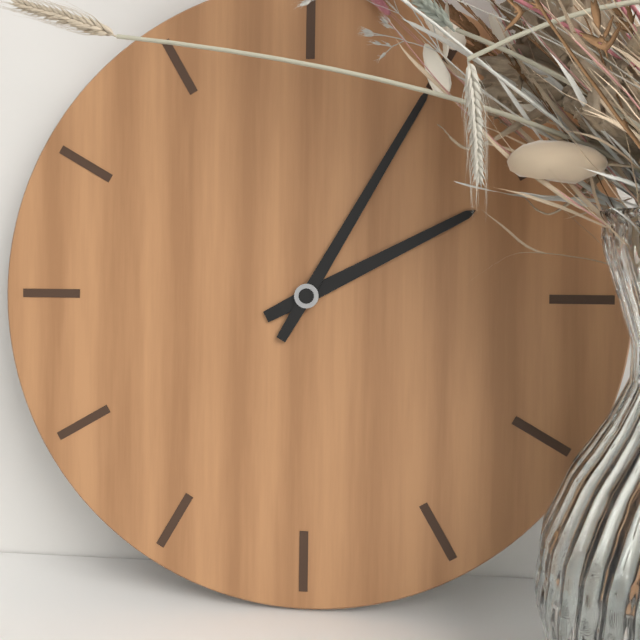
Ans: {"hour": 2, "minute": 5}
